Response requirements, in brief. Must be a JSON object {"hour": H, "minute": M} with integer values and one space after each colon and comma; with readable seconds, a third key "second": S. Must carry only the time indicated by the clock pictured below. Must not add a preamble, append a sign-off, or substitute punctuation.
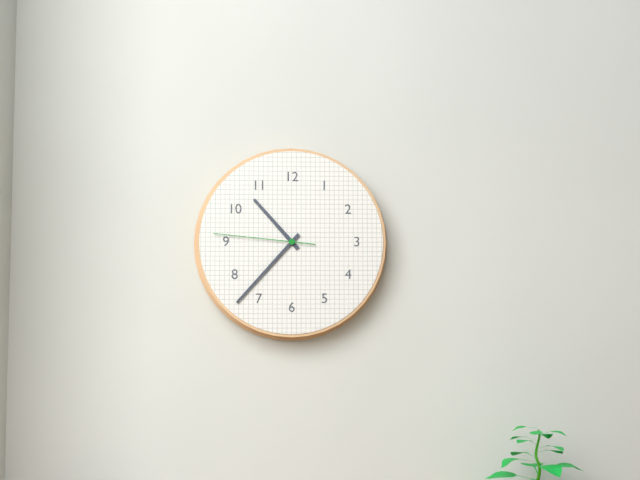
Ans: {"hour": 10, "minute": 37, "second": 46}
